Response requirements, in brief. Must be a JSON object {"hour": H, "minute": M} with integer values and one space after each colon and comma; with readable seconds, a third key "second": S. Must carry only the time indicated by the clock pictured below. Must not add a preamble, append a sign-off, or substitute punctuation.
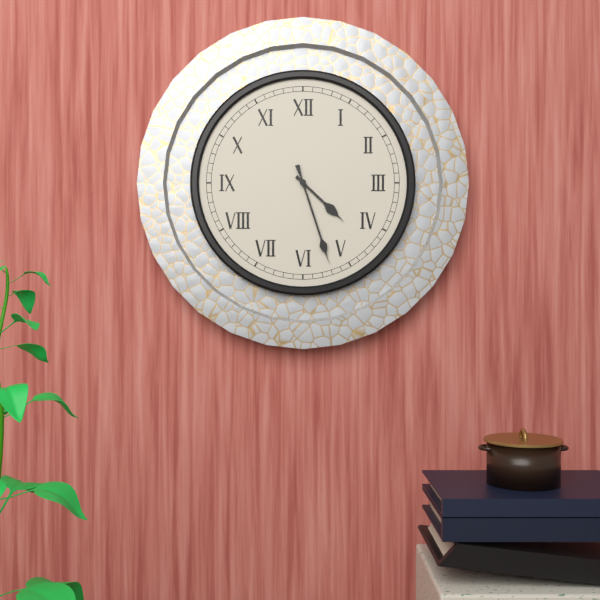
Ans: {"hour": 4, "minute": 27}
